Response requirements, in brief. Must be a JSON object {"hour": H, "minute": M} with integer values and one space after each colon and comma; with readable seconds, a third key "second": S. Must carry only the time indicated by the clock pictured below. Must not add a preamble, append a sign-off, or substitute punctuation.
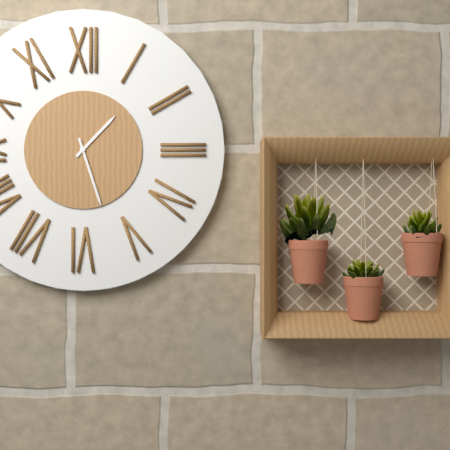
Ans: {"hour": 1, "minute": 27}
